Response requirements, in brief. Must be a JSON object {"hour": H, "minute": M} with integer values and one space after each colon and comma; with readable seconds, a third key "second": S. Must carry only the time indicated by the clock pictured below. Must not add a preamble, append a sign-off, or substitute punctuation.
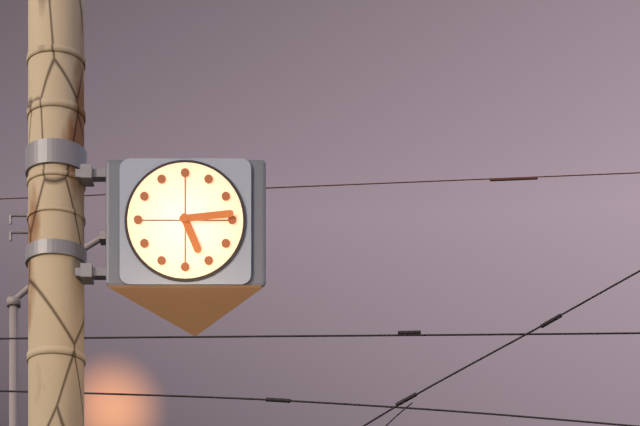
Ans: {"hour": 5, "minute": 14}
